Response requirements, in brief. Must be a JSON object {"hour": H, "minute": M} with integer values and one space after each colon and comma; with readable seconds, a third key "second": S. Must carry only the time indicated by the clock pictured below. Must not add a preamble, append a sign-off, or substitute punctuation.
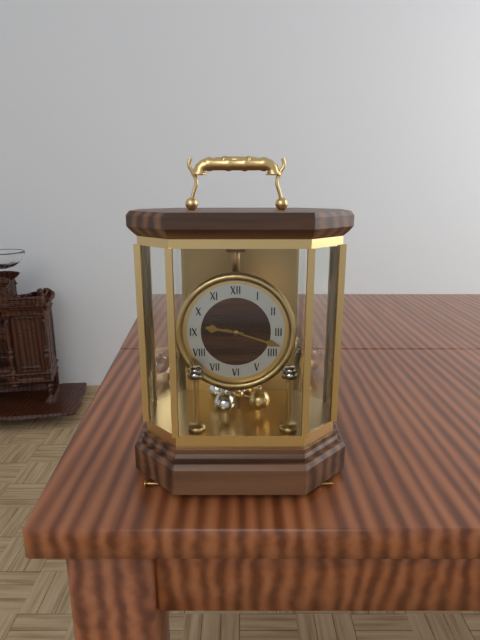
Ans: {"hour": 9, "minute": 18}
